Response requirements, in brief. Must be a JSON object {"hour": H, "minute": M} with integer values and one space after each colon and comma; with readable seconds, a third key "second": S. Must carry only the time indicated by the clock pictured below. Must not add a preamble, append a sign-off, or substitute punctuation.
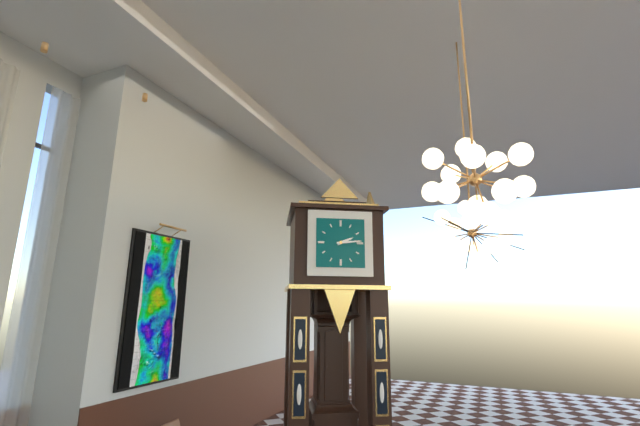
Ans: {"hour": 2, "minute": 14}
